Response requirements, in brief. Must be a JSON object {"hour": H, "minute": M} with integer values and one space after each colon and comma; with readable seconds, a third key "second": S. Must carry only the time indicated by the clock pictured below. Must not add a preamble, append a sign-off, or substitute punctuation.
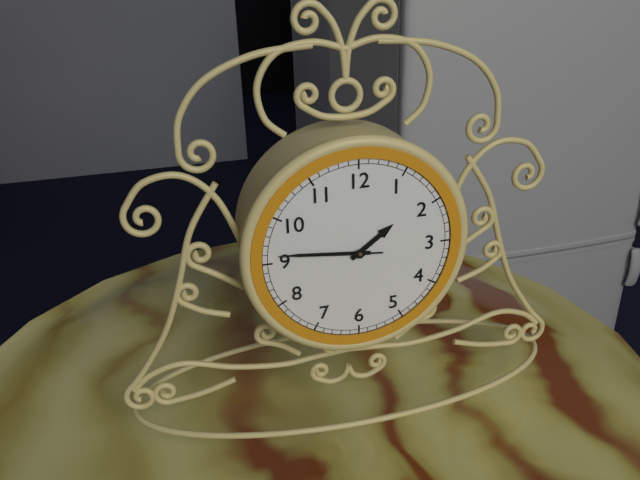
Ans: {"hour": 1, "minute": 46, "second": 46}
